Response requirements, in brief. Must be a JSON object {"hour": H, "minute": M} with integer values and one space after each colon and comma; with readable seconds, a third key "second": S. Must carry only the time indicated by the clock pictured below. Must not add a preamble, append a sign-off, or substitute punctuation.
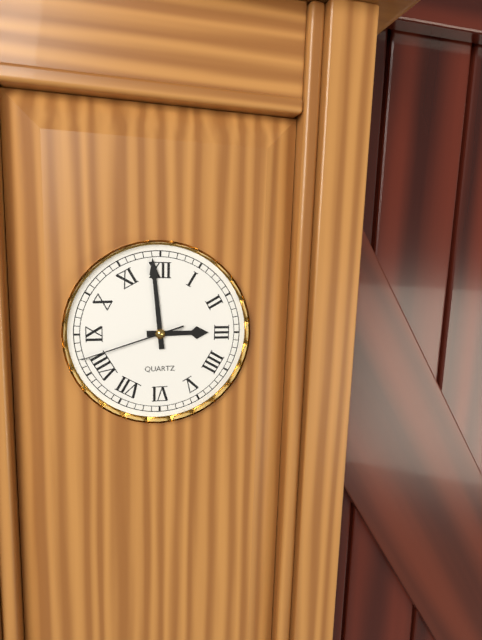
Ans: {"hour": 2, "minute": 59, "second": 42}
